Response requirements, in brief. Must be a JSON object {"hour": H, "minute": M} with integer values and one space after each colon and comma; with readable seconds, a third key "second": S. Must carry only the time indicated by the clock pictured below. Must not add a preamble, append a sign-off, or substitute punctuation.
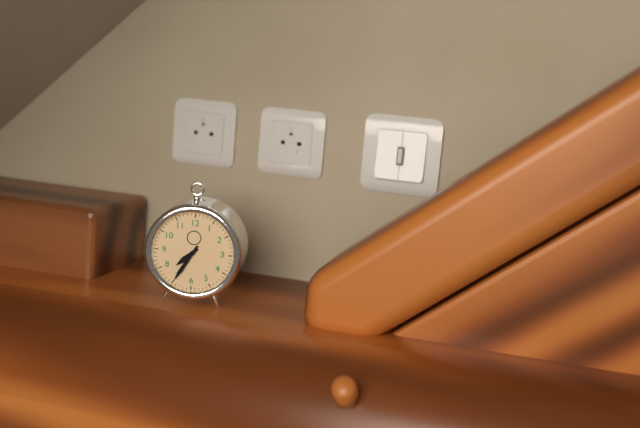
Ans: {"hour": 7, "minute": 35}
